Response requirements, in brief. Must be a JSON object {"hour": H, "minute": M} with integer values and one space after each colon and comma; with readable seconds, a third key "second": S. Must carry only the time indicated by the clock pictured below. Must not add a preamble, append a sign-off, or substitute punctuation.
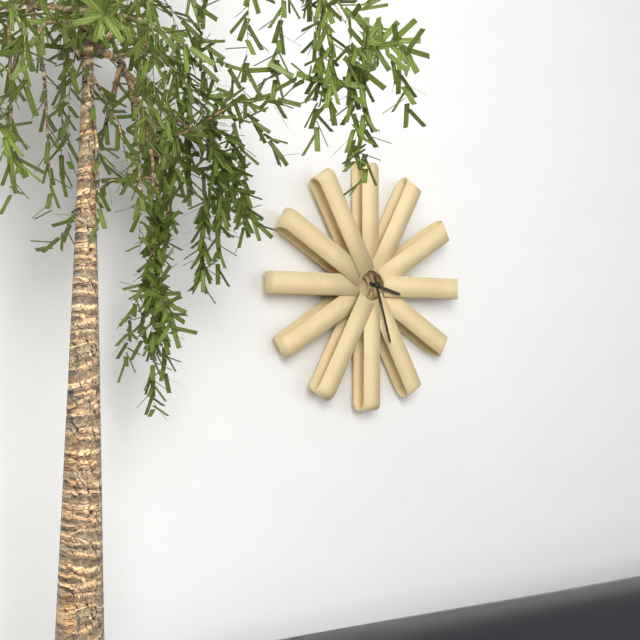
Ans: {"hour": 3, "minute": 27}
